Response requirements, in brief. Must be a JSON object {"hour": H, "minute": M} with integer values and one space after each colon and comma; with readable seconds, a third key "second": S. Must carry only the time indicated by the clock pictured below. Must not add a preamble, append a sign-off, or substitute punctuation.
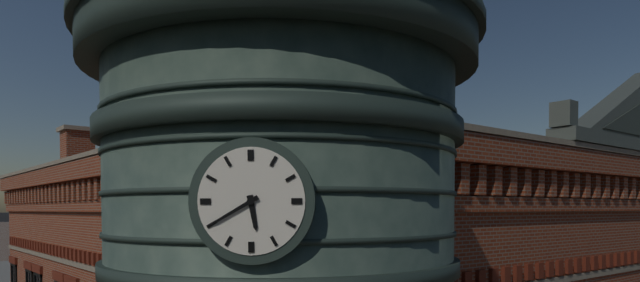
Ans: {"hour": 5, "minute": 40}
